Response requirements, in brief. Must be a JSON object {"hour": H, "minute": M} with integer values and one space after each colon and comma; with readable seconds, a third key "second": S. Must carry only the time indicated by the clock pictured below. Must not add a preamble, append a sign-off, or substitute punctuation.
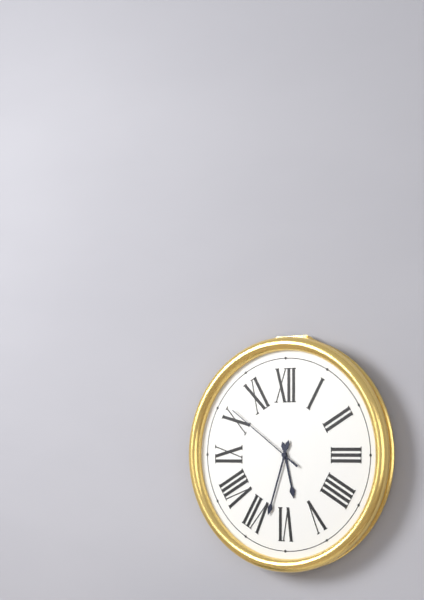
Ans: {"hour": 5, "minute": 33, "second": 51}
